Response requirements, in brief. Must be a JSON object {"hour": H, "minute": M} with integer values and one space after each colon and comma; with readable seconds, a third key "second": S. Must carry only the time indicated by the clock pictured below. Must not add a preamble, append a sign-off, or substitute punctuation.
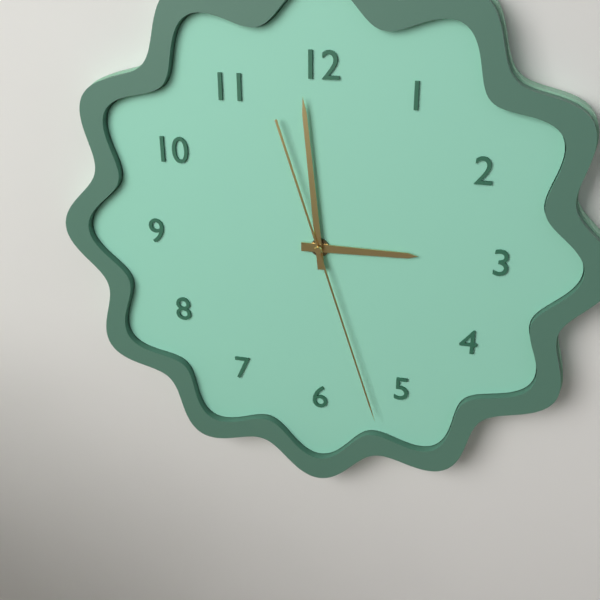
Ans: {"hour": 2, "minute": 59, "second": 27}
